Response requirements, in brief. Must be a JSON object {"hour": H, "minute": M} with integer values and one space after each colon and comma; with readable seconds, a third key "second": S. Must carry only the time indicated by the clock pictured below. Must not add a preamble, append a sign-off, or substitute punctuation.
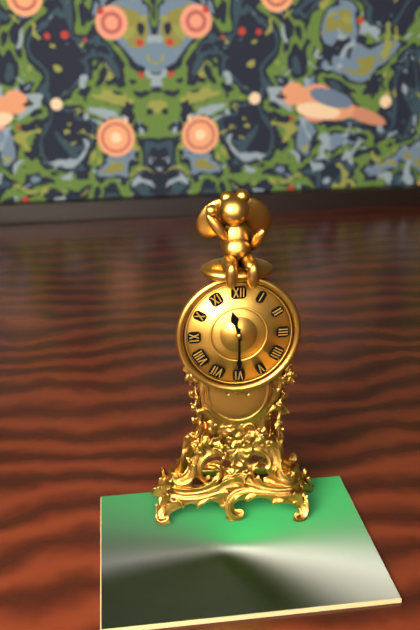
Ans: {"hour": 11, "minute": 30}
